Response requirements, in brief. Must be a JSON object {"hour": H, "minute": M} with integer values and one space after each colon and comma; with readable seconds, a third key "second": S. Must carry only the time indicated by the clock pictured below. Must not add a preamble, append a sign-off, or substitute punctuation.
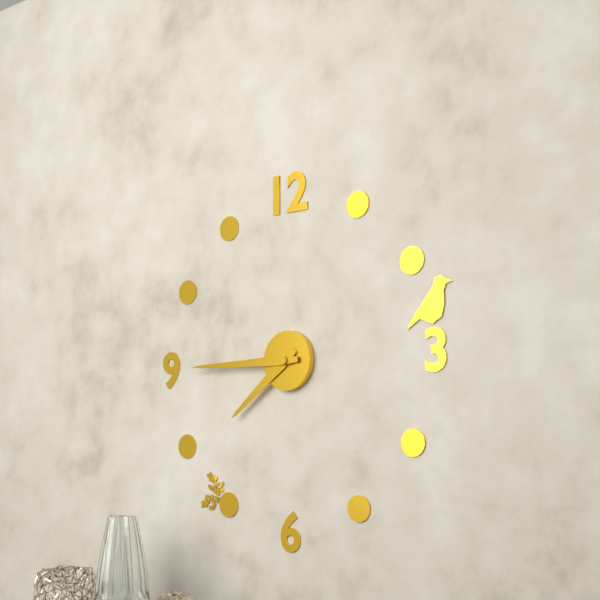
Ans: {"hour": 7, "minute": 45}
